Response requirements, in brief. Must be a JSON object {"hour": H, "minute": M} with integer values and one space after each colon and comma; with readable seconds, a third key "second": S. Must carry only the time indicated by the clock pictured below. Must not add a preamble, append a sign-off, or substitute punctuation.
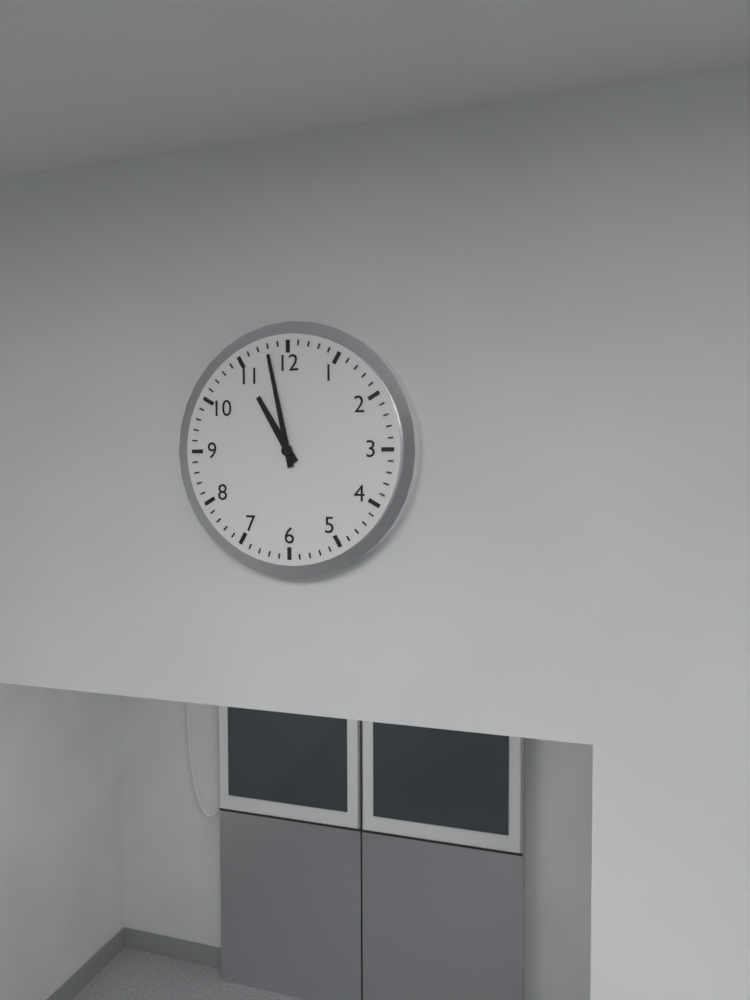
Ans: {"hour": 10, "minute": 58}
